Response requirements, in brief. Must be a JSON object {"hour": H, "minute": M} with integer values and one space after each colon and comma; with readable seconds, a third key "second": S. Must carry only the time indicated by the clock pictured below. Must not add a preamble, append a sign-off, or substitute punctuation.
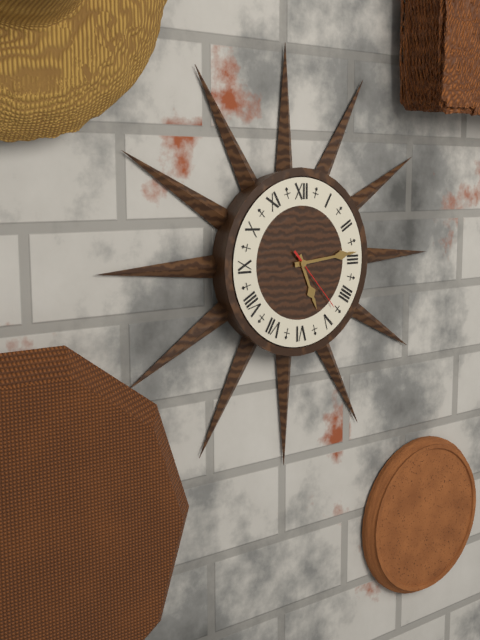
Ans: {"hour": 5, "minute": 14, "second": 23}
